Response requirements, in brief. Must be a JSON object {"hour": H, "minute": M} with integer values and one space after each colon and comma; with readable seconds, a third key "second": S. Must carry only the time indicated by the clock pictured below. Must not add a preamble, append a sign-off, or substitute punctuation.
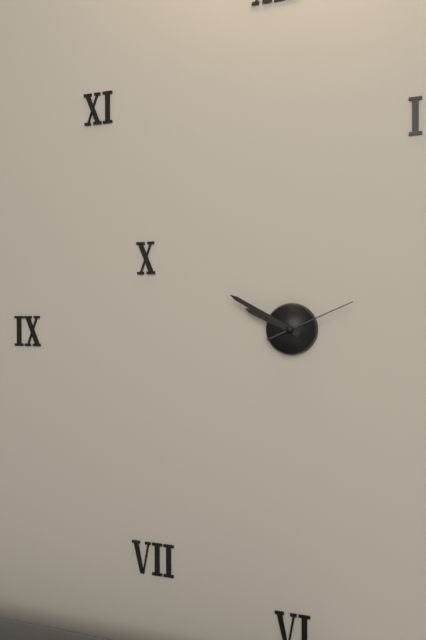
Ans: {"hour": 9, "minute": 50, "second": 11}
